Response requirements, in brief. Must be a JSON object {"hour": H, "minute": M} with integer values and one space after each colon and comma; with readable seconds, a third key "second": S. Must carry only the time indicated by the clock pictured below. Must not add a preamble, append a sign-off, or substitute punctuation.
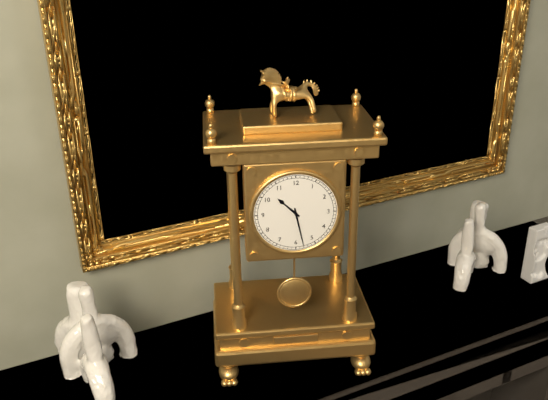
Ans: {"hour": 10, "minute": 28}
